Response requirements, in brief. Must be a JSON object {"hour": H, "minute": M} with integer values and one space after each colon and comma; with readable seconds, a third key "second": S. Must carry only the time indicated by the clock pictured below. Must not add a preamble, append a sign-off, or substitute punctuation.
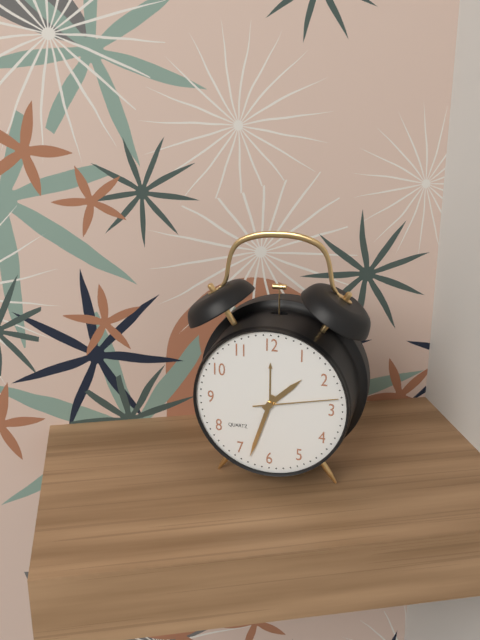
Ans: {"hour": 1, "minute": 33, "second": 13}
